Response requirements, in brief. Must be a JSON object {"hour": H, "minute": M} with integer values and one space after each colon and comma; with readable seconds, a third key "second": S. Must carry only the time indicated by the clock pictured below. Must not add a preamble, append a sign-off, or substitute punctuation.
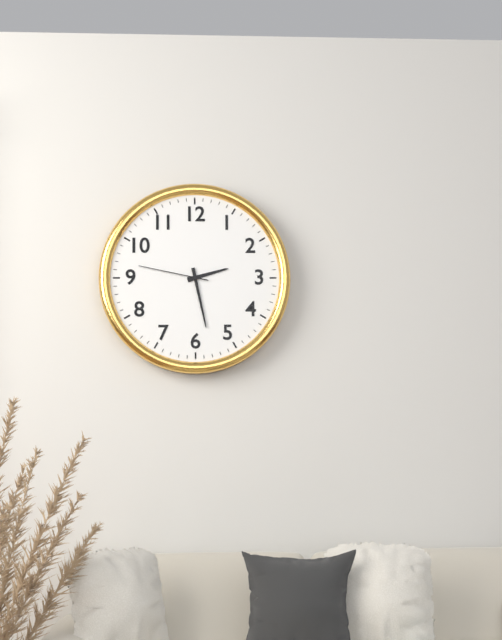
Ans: {"hour": 2, "minute": 28, "second": 47}
